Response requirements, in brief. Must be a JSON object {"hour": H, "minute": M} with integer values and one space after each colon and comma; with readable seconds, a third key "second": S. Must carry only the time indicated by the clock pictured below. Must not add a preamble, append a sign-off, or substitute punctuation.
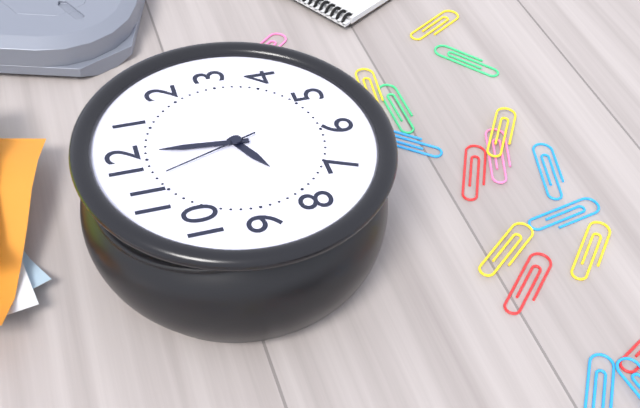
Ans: {"hour": 8, "minute": 1, "second": 57}
